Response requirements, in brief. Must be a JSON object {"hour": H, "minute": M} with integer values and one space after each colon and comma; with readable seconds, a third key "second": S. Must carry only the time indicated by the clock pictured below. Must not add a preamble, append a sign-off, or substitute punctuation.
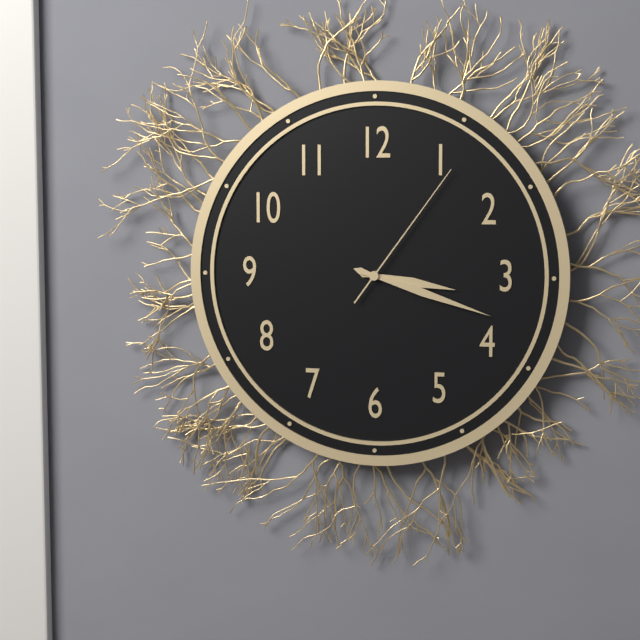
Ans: {"hour": 3, "minute": 18, "second": 6}
